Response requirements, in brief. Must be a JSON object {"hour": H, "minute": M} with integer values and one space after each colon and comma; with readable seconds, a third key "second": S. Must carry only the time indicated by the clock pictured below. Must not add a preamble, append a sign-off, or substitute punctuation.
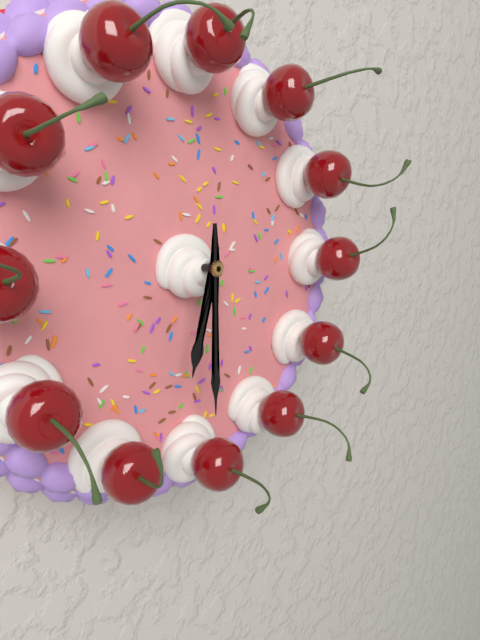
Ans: {"hour": 6, "minute": 30}
